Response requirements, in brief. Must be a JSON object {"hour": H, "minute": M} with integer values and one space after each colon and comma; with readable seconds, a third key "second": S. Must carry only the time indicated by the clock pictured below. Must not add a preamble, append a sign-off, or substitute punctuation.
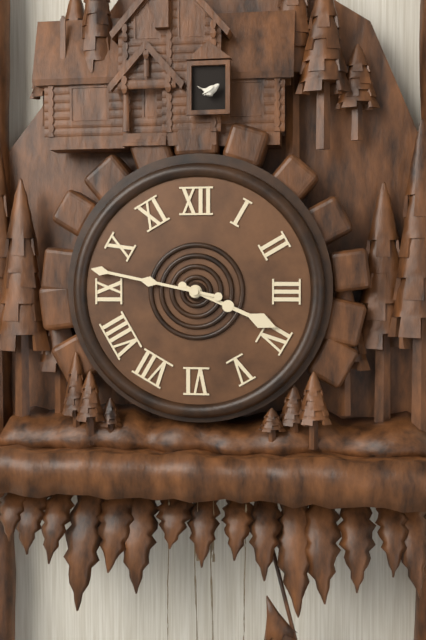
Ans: {"hour": 3, "minute": 47}
